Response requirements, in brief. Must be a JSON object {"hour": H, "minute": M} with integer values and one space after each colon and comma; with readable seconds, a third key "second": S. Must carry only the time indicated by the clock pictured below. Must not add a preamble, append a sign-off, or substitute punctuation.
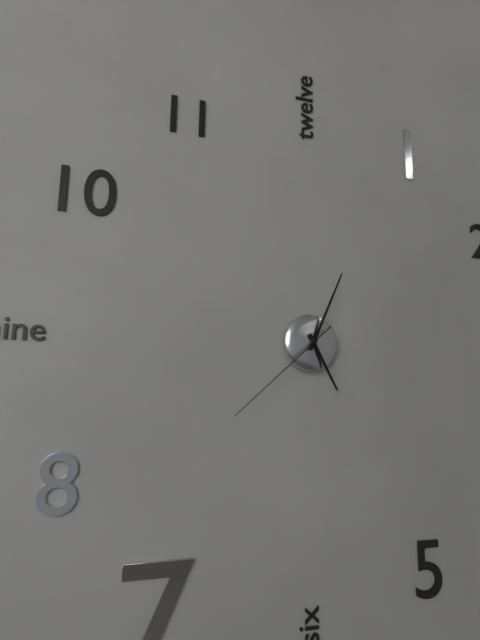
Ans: {"hour": 5, "minute": 4, "second": 38}
